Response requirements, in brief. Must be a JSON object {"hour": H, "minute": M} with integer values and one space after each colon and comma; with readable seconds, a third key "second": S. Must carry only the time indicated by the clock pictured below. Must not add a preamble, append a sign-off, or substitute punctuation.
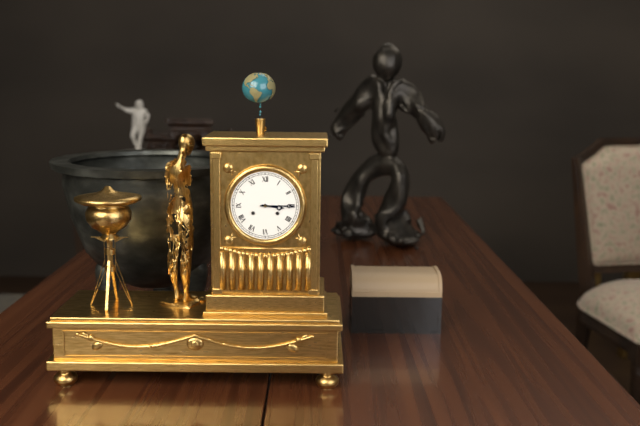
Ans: {"hour": 3, "minute": 15}
